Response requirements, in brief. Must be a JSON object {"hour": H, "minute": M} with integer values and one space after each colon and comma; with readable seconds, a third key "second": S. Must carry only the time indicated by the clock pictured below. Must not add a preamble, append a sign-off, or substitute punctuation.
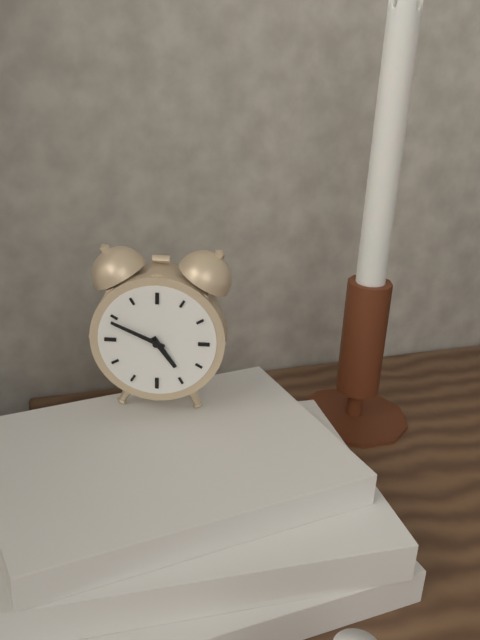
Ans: {"hour": 4, "minute": 49}
